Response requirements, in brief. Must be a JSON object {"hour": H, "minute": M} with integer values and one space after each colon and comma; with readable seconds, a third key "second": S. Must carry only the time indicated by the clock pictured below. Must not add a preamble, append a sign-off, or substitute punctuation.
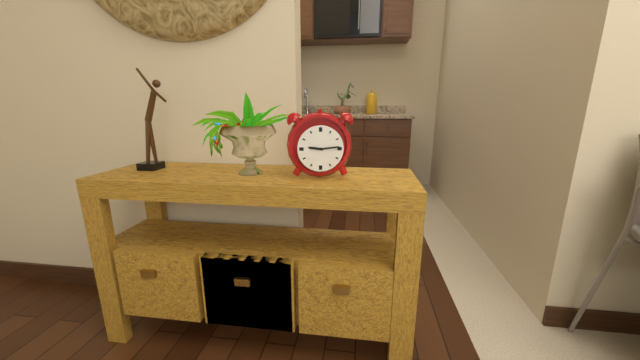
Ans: {"hour": 9, "minute": 14}
